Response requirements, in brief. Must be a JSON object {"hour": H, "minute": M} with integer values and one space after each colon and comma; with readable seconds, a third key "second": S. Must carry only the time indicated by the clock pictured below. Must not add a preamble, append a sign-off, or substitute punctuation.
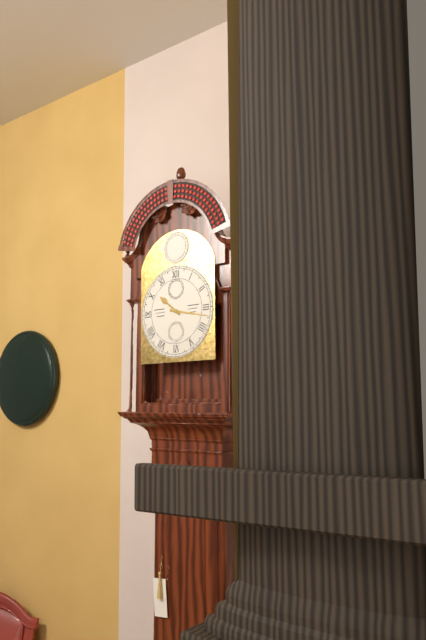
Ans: {"hour": 10, "minute": 17}
